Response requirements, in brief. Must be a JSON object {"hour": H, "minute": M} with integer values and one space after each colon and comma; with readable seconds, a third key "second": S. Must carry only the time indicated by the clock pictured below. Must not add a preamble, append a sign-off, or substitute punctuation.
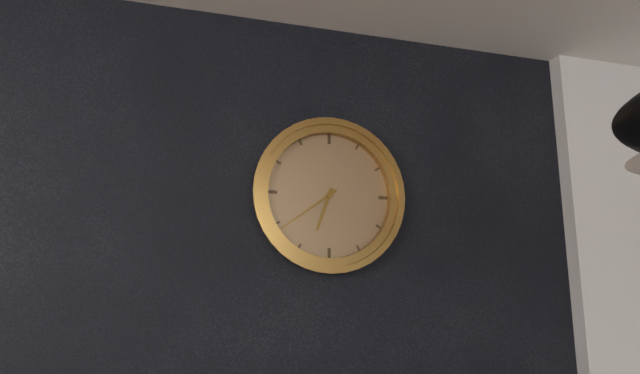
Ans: {"hour": 6, "minute": 39}
